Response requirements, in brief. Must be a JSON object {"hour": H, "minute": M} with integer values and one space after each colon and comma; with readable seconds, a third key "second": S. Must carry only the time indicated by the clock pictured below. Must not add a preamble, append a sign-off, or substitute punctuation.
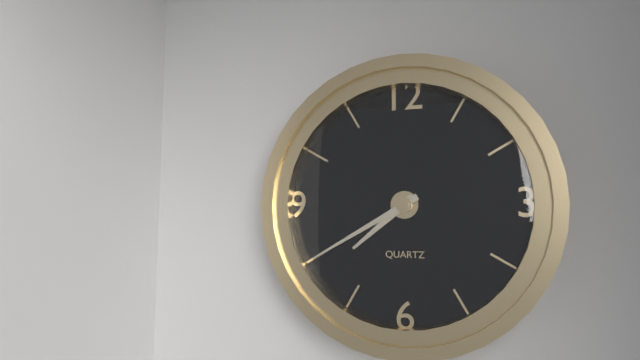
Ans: {"hour": 7, "minute": 40}
